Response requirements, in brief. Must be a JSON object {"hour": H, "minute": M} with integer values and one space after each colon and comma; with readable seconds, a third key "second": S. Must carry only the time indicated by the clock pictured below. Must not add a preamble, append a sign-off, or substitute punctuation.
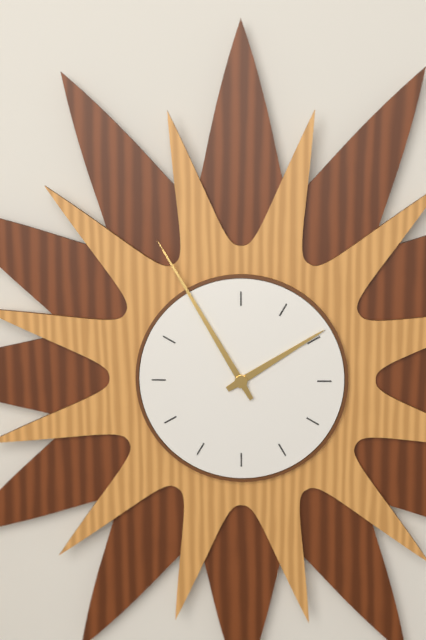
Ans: {"hour": 1, "minute": 55}
